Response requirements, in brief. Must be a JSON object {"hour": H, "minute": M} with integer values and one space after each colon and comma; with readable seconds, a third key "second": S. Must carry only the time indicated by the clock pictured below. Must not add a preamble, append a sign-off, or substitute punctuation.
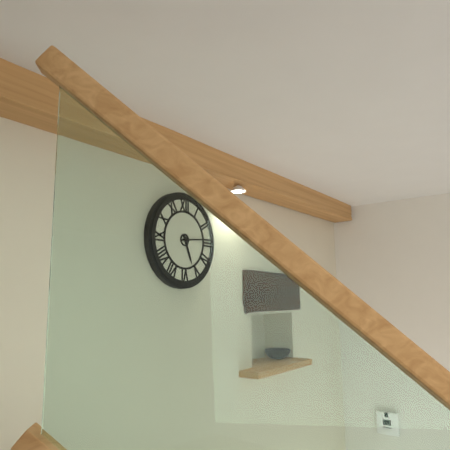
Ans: {"hour": 5, "minute": 14}
